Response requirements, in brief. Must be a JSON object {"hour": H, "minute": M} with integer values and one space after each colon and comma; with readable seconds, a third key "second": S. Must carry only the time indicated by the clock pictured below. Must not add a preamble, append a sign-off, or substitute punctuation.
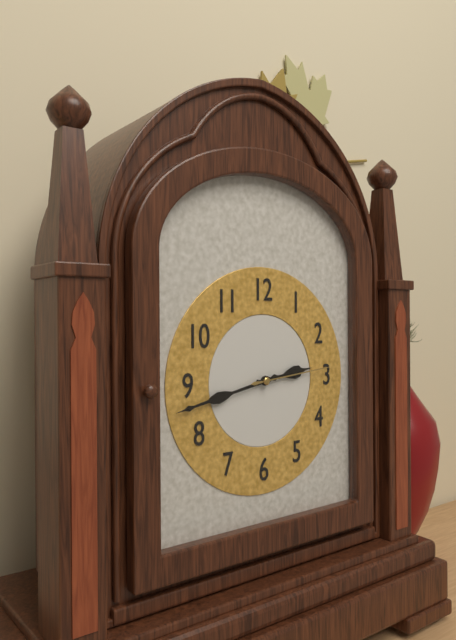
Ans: {"hour": 2, "minute": 43, "second": 14}
